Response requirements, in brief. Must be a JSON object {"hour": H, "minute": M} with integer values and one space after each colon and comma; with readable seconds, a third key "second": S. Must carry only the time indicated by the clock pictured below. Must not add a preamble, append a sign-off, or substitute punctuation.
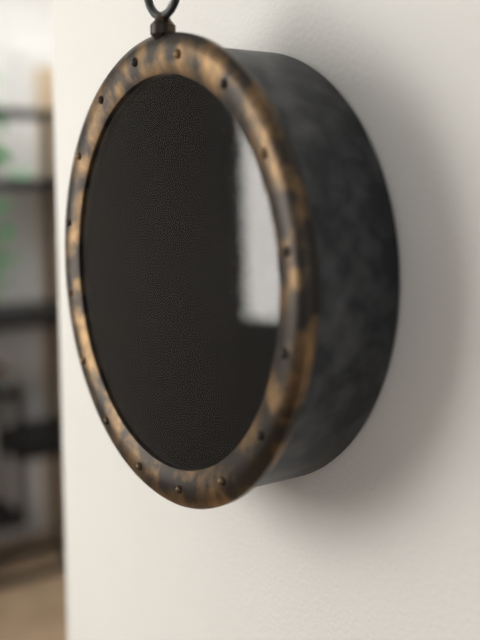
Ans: {"hour": 11, "minute": 30}
